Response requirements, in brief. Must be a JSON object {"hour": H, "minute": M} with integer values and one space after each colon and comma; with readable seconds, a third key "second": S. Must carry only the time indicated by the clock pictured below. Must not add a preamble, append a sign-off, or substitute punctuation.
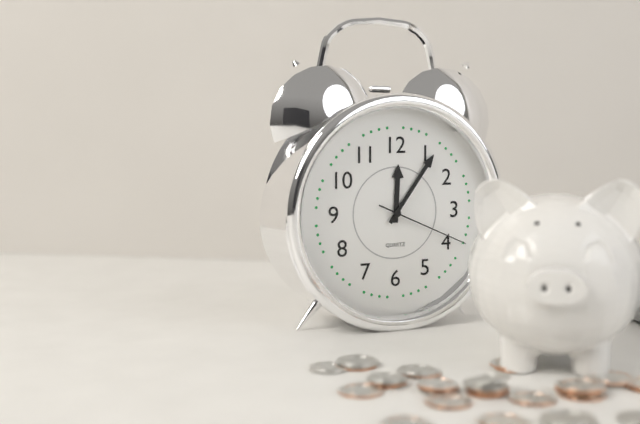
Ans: {"hour": 12, "minute": 6, "second": 19}
